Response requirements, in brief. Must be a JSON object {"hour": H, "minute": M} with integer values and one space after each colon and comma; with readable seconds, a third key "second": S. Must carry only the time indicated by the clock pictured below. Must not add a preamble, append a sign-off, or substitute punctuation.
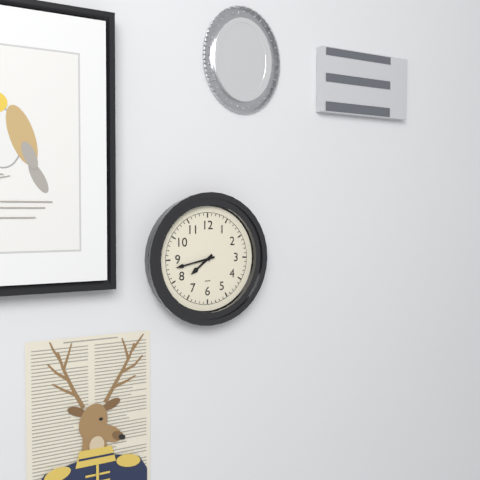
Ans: {"hour": 7, "minute": 43}
